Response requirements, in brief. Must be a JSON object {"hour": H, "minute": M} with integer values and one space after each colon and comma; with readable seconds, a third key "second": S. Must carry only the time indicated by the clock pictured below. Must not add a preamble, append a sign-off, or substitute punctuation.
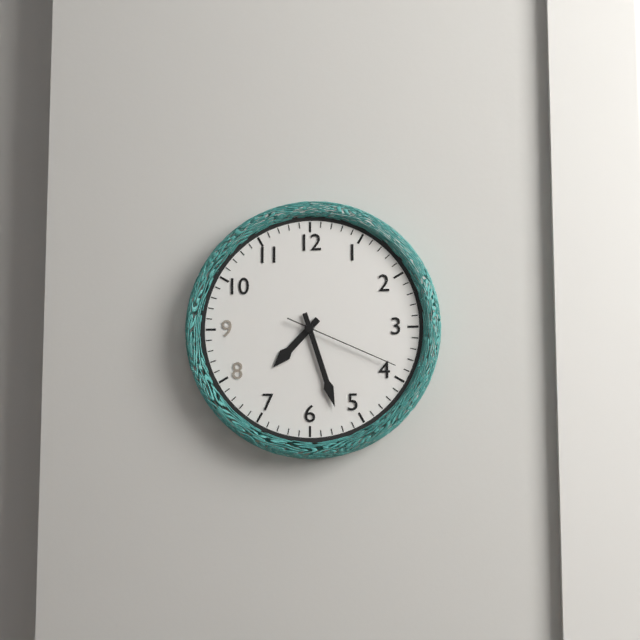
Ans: {"hour": 7, "minute": 27, "second": 19}
